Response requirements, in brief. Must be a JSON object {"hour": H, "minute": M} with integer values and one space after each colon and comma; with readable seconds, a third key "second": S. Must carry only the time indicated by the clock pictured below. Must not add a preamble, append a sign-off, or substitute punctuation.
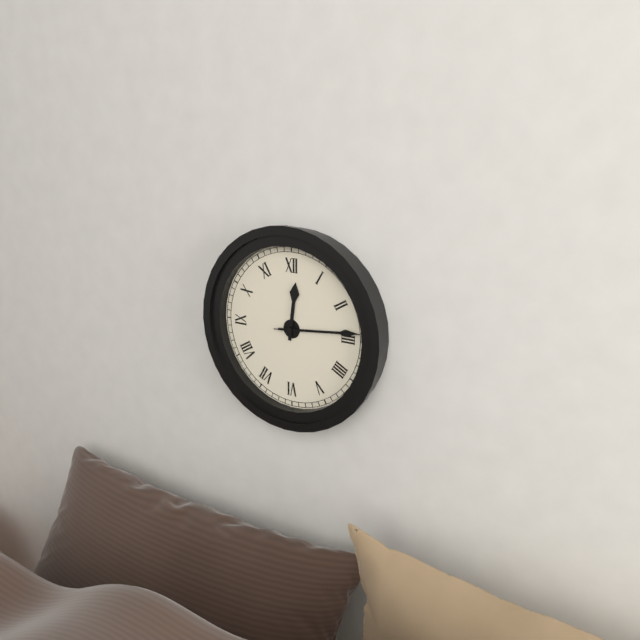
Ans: {"hour": 12, "minute": 14, "second": 14}
